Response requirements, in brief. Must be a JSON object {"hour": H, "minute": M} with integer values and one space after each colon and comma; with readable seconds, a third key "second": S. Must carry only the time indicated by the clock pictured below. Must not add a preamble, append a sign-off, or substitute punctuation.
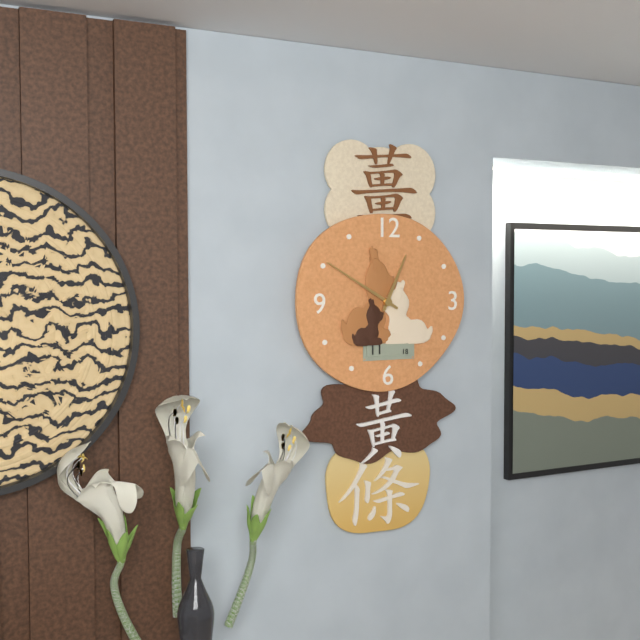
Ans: {"hour": 12, "minute": 50}
